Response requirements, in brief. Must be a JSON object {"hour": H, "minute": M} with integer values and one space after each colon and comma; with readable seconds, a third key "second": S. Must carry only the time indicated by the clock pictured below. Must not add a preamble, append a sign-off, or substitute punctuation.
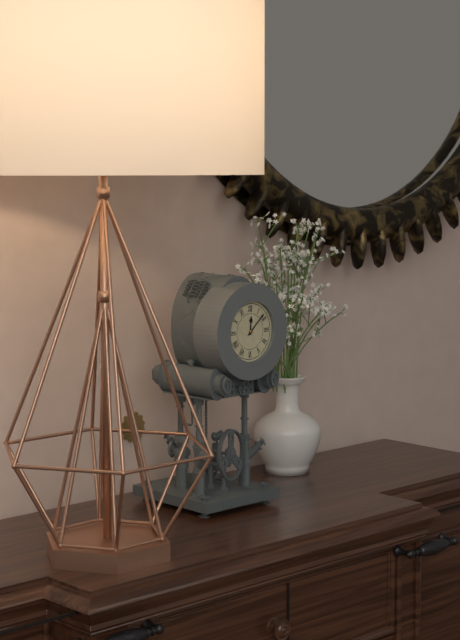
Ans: {"hour": 12, "minute": 8}
